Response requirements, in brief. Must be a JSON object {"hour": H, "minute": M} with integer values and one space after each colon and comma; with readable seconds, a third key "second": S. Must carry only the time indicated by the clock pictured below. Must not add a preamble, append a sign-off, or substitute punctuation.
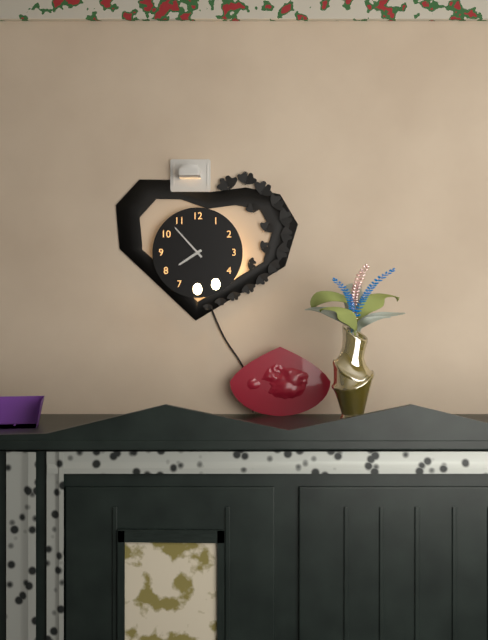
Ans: {"hour": 7, "minute": 53}
